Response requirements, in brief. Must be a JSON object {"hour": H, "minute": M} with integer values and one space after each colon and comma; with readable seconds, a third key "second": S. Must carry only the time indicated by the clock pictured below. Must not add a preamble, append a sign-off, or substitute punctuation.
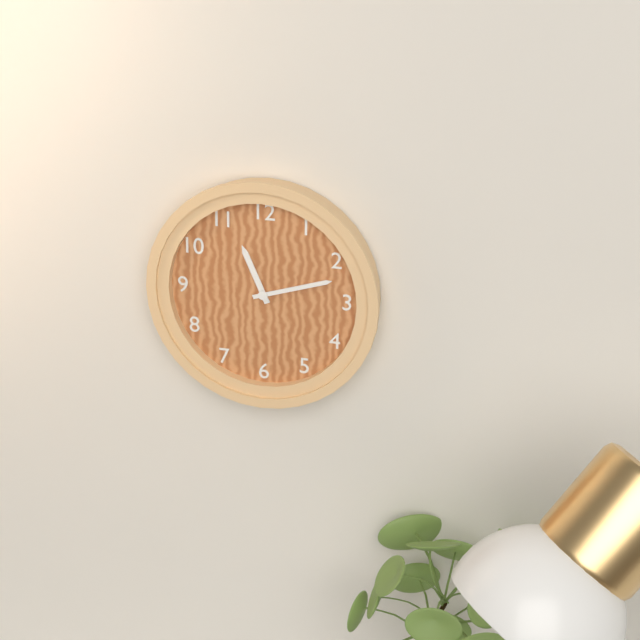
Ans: {"hour": 11, "minute": 12}
